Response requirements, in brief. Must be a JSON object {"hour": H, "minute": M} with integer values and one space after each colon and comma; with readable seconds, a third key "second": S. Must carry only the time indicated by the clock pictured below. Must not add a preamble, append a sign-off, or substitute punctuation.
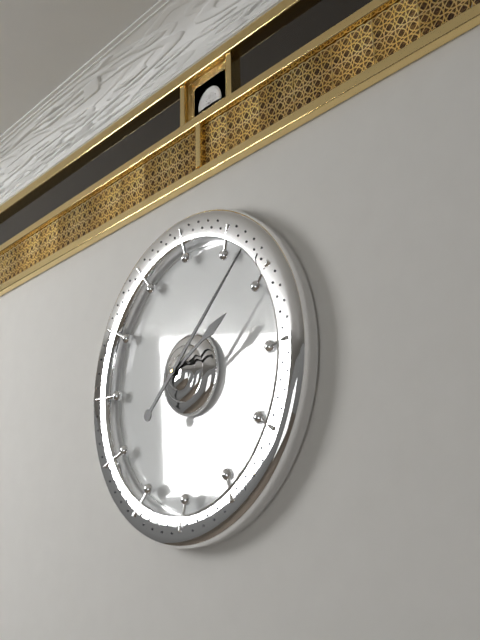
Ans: {"hour": 2, "minute": 8}
